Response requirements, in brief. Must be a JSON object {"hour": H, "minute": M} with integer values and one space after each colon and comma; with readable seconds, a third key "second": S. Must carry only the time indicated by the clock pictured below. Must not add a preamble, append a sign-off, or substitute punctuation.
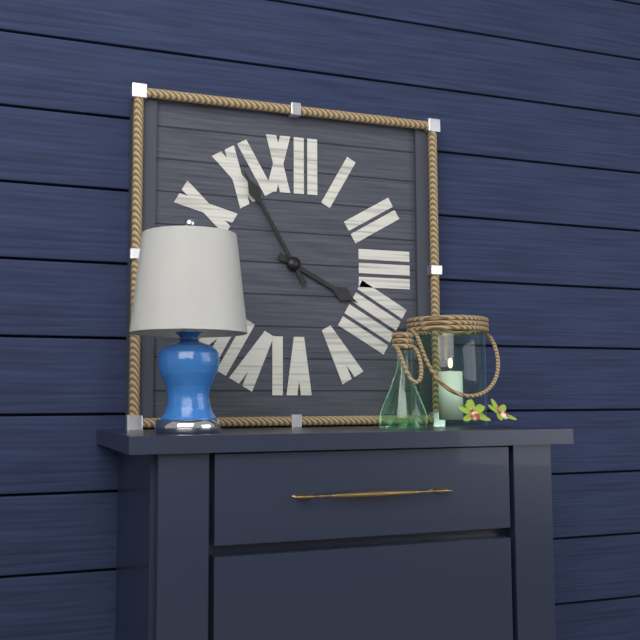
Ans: {"hour": 3, "minute": 55}
